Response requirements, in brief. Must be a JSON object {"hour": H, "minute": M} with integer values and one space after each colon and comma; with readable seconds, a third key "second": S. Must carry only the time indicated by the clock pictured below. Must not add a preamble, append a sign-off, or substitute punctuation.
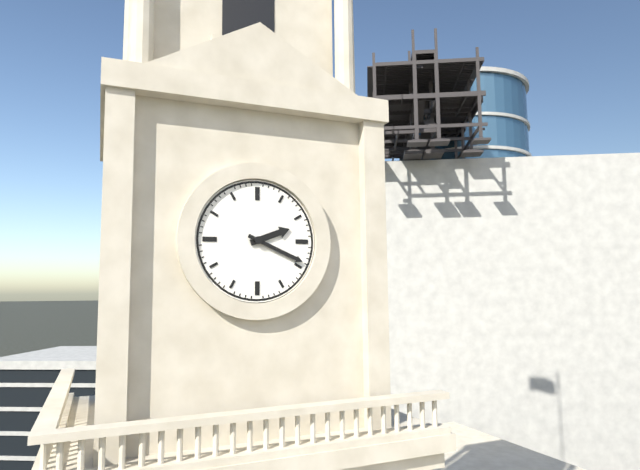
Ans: {"hour": 2, "minute": 19}
